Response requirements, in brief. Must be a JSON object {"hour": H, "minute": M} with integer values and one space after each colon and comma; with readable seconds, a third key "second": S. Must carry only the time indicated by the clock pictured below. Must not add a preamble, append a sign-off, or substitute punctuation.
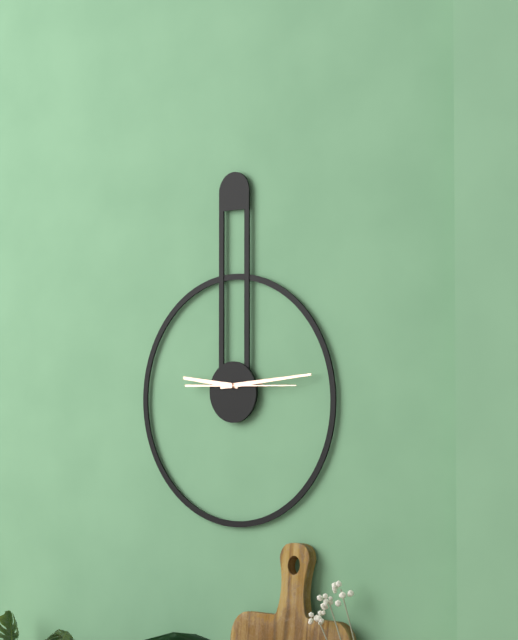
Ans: {"hour": 9, "minute": 14, "second": 15}
